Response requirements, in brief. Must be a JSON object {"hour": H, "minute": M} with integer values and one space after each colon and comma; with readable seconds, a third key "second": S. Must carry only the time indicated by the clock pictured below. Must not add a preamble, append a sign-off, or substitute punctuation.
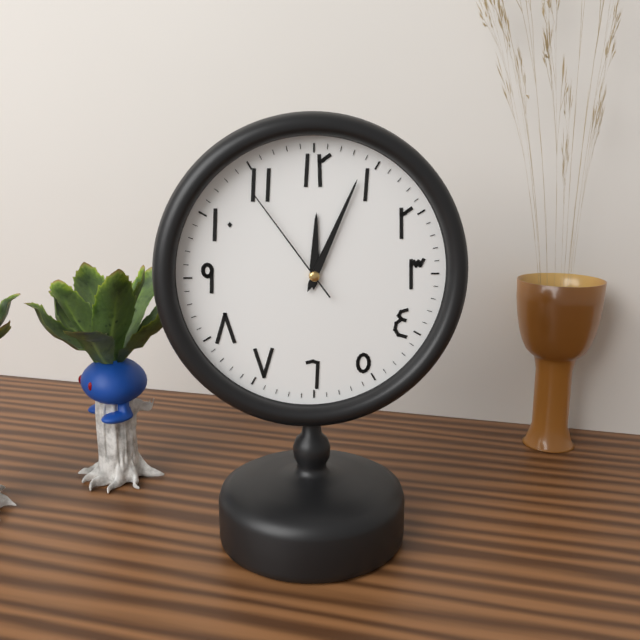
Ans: {"hour": 12, "minute": 4, "second": 54}
